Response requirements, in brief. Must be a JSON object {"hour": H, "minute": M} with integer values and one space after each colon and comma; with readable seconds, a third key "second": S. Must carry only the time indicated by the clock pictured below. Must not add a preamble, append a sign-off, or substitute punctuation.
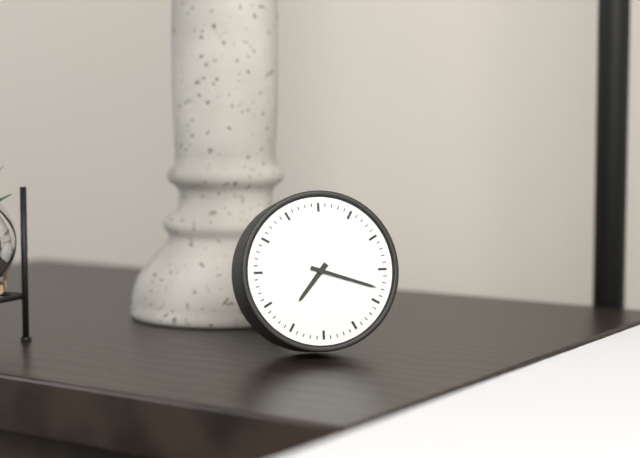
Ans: {"hour": 7, "minute": 18}
